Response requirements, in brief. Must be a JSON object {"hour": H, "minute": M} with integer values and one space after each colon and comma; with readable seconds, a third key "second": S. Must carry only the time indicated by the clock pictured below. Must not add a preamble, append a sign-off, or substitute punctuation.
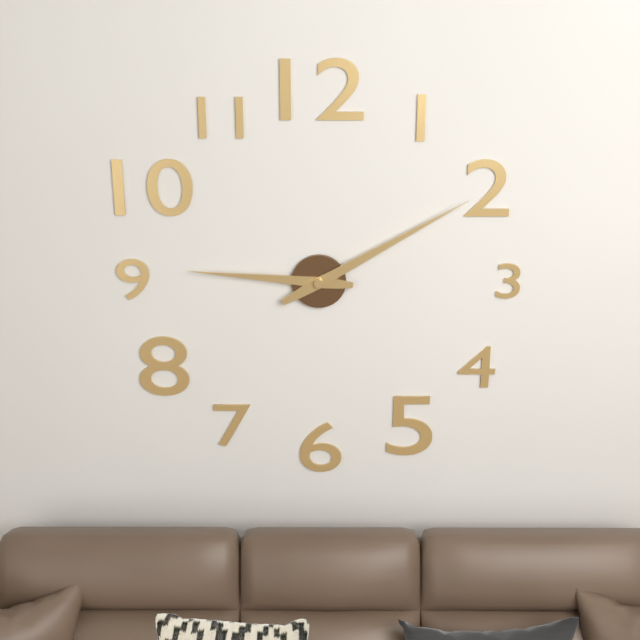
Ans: {"hour": 9, "minute": 10}
